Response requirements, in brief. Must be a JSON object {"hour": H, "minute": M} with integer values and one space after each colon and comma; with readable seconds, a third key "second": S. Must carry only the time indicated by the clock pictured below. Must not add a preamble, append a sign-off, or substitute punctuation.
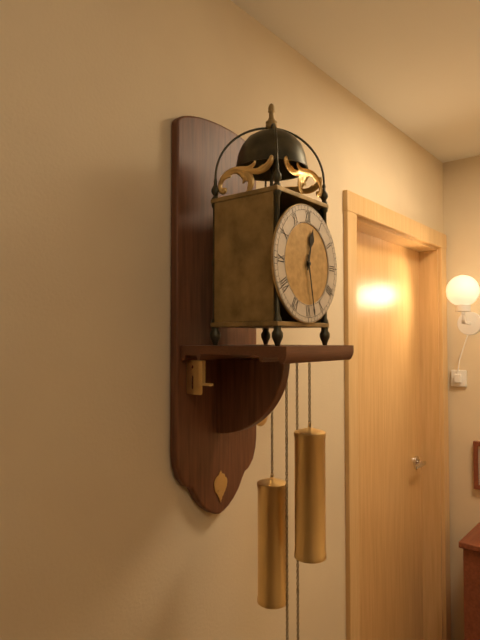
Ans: {"hour": 12, "minute": 28}
